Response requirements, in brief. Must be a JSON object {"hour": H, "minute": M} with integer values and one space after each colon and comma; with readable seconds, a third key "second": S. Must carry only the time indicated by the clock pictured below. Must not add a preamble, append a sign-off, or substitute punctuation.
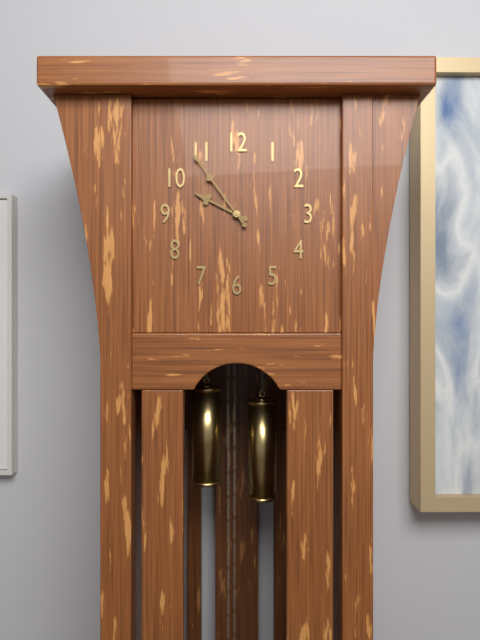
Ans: {"hour": 9, "minute": 54}
